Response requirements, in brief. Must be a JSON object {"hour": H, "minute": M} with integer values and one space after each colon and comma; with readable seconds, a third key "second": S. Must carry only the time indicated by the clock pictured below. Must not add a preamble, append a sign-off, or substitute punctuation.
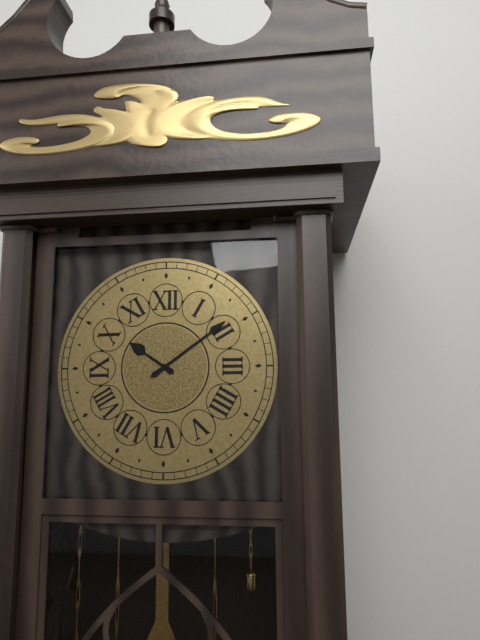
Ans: {"hour": 10, "minute": 9}
